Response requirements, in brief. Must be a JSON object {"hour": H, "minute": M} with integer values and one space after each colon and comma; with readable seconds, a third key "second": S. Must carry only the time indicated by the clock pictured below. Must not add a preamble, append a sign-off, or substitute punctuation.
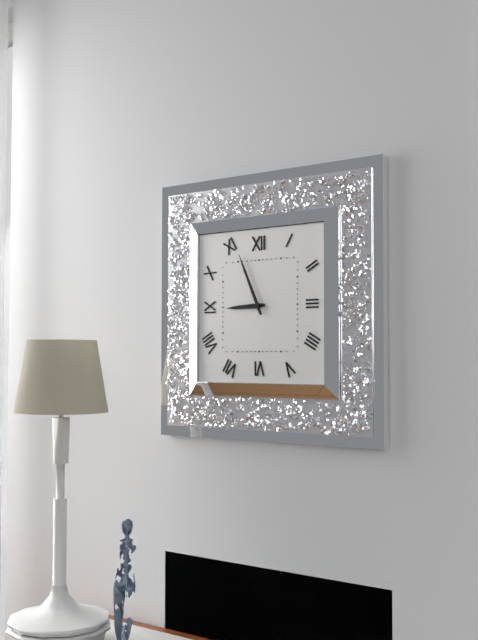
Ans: {"hour": 8, "minute": 56}
